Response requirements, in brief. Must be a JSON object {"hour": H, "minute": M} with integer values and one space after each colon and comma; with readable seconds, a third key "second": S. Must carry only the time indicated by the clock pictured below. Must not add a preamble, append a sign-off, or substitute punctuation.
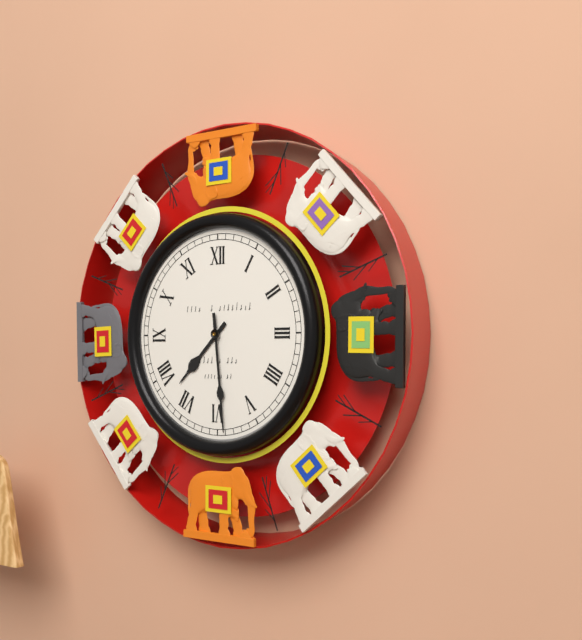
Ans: {"hour": 7, "minute": 29}
